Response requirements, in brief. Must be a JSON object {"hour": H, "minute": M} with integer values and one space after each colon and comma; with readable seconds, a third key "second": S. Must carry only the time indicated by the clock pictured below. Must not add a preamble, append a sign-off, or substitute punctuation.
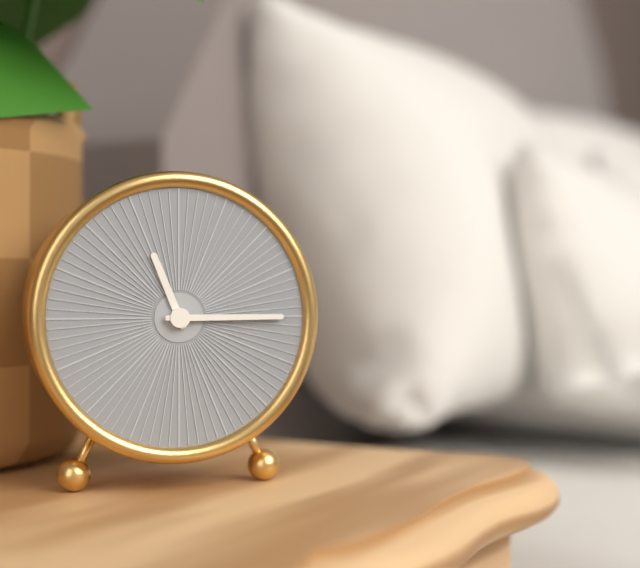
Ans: {"hour": 11, "minute": 15}
